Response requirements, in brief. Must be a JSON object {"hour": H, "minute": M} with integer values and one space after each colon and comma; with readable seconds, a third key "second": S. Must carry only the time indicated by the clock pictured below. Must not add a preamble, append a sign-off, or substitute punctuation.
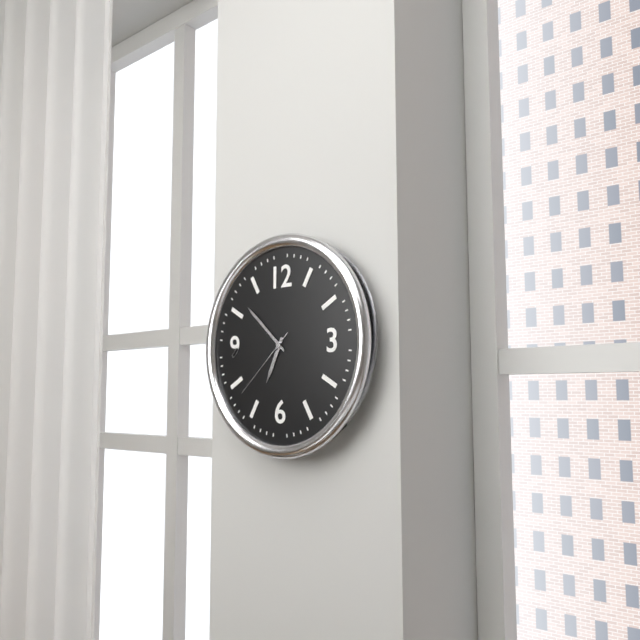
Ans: {"hour": 6, "minute": 52, "second": 38}
